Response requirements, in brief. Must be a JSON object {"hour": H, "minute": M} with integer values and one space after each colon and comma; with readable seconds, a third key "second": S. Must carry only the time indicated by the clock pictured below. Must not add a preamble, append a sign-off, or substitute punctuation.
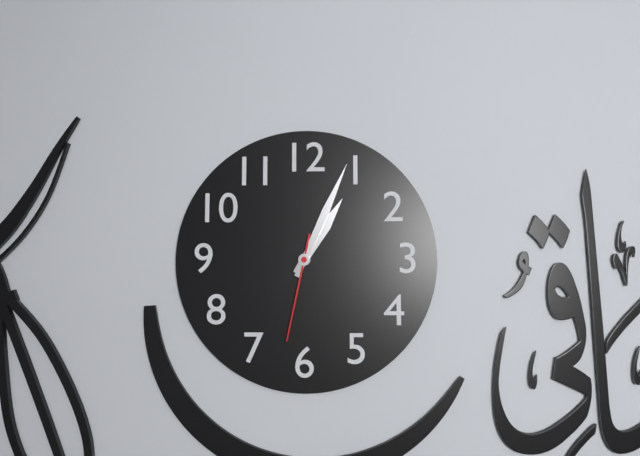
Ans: {"hour": 1, "minute": 4, "second": 32}
